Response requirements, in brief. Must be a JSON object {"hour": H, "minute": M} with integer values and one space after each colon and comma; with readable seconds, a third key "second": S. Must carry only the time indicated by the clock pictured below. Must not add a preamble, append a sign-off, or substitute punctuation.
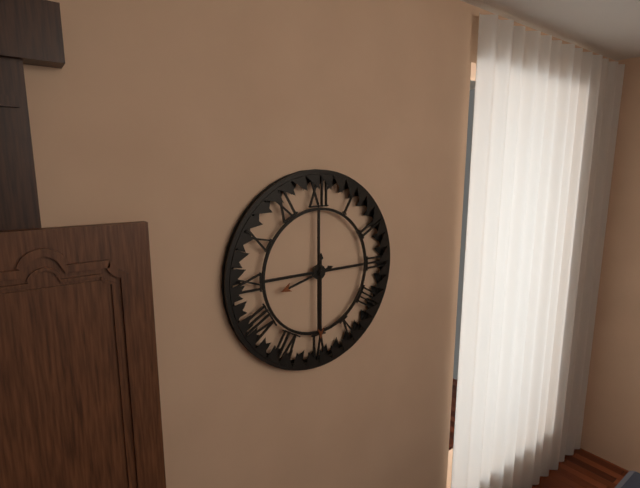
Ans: {"hour": 8, "minute": 30}
